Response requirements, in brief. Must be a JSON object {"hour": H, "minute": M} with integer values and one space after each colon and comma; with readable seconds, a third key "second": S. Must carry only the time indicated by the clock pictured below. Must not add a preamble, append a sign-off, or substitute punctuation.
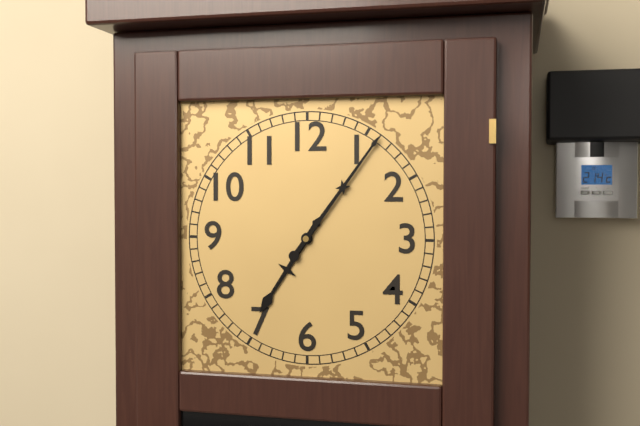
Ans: {"hour": 7, "minute": 6}
